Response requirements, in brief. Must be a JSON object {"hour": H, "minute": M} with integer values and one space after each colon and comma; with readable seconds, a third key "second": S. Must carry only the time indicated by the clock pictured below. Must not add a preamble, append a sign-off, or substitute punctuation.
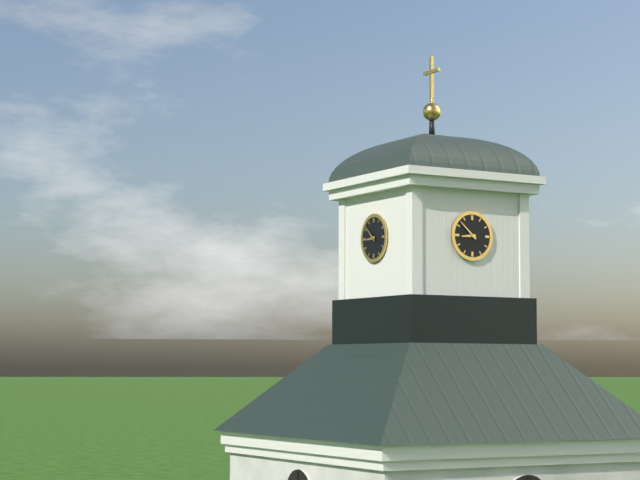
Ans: {"hour": 8, "minute": 52}
